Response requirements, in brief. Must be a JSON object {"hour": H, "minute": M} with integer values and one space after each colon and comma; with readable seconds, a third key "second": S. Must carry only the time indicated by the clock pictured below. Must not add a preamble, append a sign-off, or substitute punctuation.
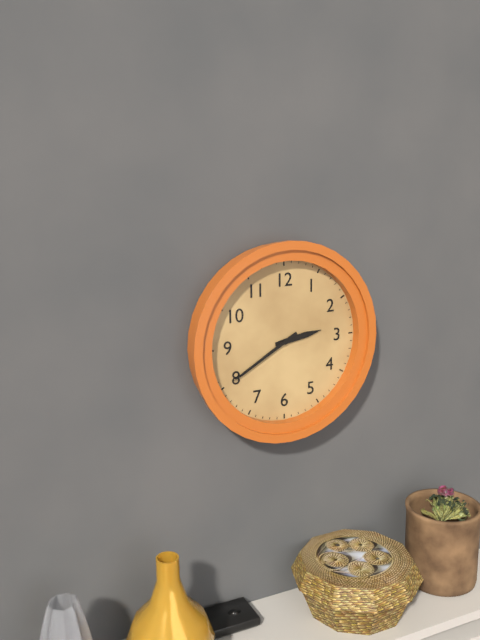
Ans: {"hour": 2, "minute": 40}
